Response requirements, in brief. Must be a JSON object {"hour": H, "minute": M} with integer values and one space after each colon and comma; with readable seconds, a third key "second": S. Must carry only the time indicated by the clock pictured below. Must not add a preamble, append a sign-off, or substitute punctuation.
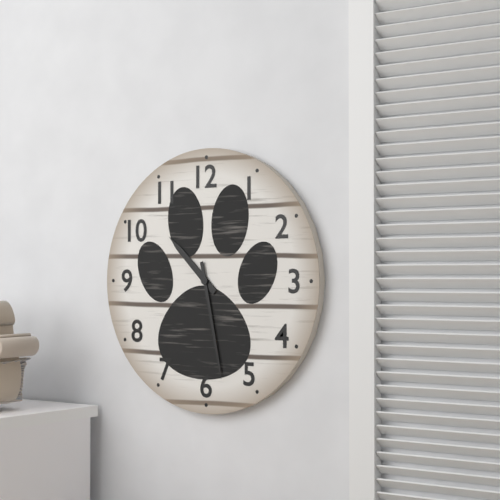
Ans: {"hour": 10, "minute": 28}
